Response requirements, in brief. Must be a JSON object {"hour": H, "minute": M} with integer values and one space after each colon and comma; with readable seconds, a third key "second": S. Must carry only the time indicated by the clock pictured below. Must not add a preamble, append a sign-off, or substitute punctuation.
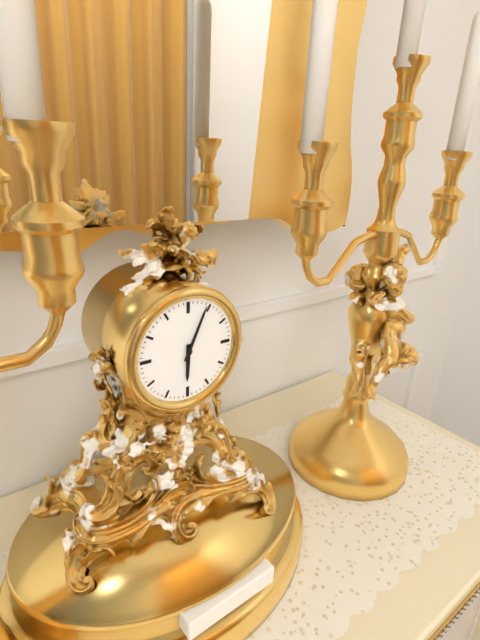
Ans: {"hour": 6, "minute": 4}
